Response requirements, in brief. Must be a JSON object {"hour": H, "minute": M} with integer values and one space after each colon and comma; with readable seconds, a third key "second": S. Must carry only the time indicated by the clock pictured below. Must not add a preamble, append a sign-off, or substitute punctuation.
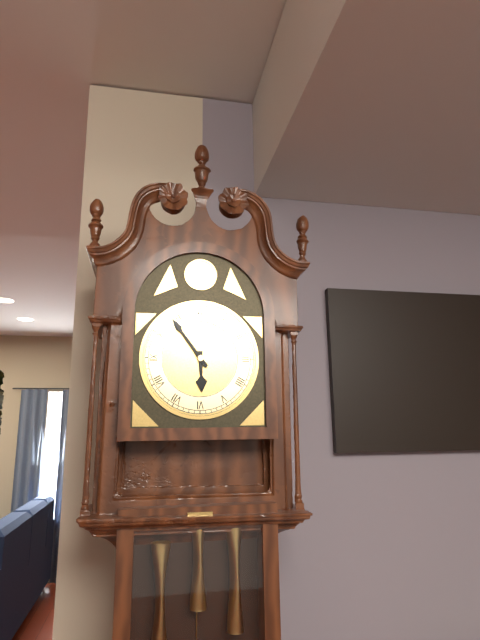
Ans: {"hour": 5, "minute": 54}
